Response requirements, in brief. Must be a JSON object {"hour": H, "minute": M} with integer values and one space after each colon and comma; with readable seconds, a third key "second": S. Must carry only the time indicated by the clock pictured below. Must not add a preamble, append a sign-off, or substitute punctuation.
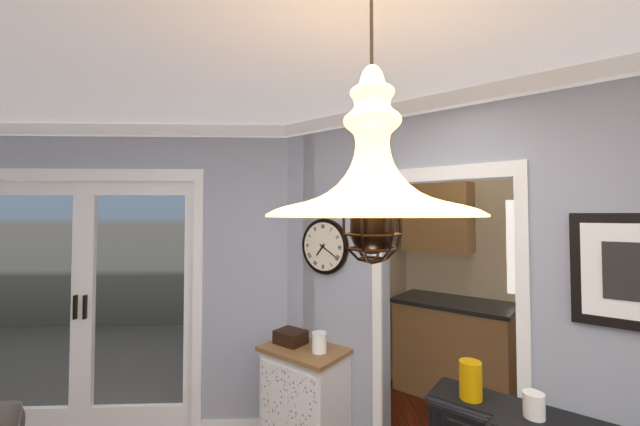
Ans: {"hour": 7, "minute": 20}
